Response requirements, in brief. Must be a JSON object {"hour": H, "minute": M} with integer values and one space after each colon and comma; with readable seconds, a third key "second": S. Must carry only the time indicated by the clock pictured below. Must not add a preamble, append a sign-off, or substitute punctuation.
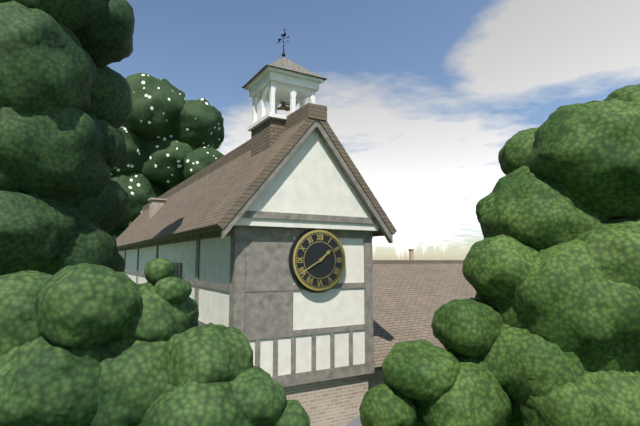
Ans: {"hour": 1, "minute": 40}
